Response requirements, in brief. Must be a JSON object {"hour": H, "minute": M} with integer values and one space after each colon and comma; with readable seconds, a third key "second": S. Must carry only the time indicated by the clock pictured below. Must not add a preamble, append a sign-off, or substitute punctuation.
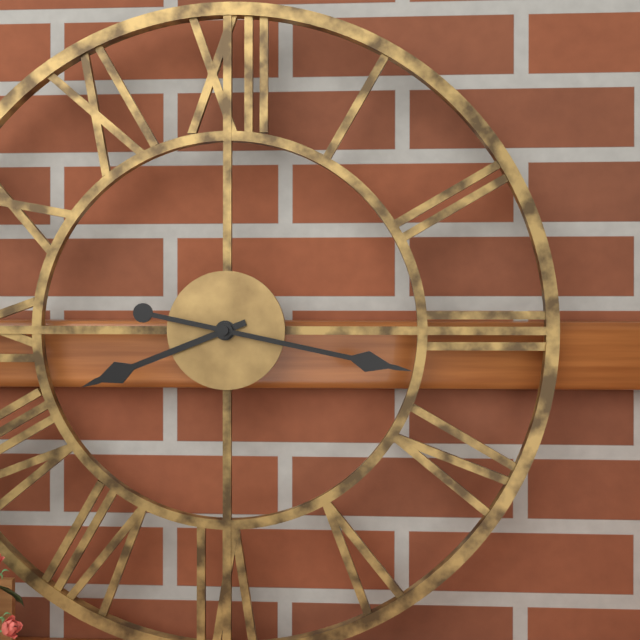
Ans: {"hour": 8, "minute": 17}
